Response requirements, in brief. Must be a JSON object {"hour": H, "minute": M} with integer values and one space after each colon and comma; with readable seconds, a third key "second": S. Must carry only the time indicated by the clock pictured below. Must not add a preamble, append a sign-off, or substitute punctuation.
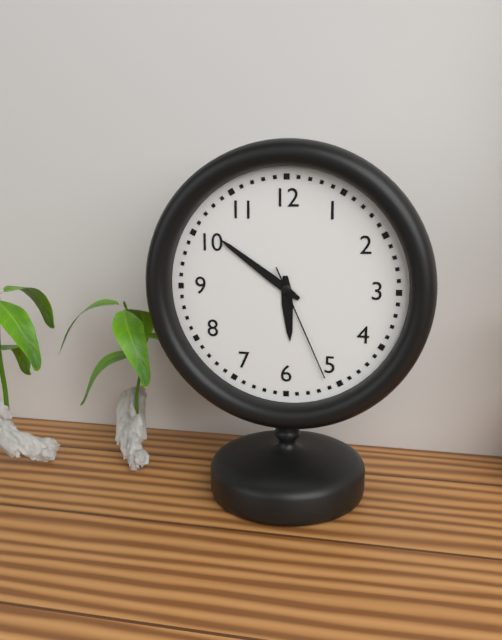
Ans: {"hour": 5, "minute": 51, "second": 26}
